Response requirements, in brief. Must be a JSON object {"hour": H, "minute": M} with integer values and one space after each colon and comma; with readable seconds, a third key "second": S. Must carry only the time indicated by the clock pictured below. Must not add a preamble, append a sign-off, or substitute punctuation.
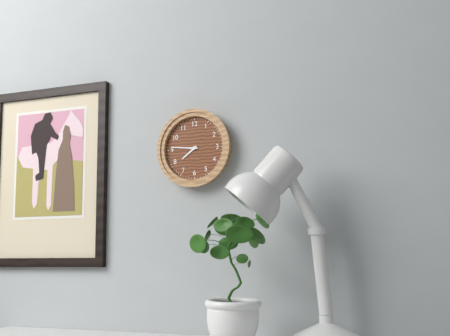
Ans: {"hour": 7, "minute": 46}
